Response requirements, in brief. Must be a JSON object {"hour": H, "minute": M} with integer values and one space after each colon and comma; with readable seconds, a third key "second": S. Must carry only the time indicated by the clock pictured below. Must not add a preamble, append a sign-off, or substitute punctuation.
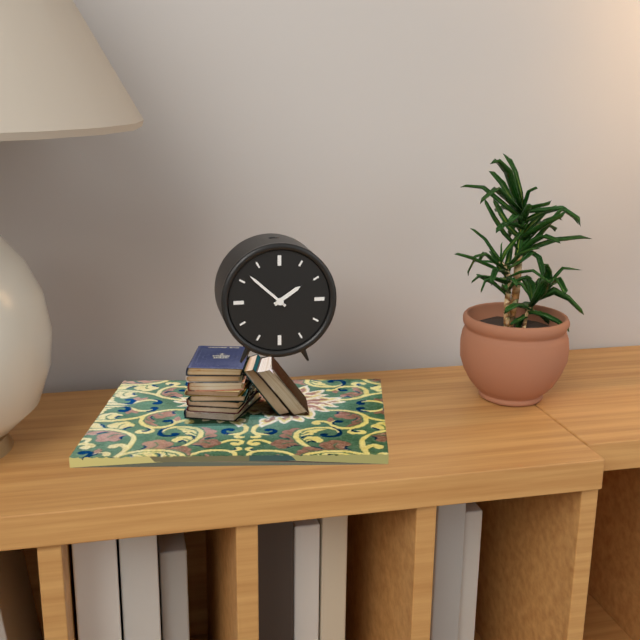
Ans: {"hour": 1, "minute": 52}
